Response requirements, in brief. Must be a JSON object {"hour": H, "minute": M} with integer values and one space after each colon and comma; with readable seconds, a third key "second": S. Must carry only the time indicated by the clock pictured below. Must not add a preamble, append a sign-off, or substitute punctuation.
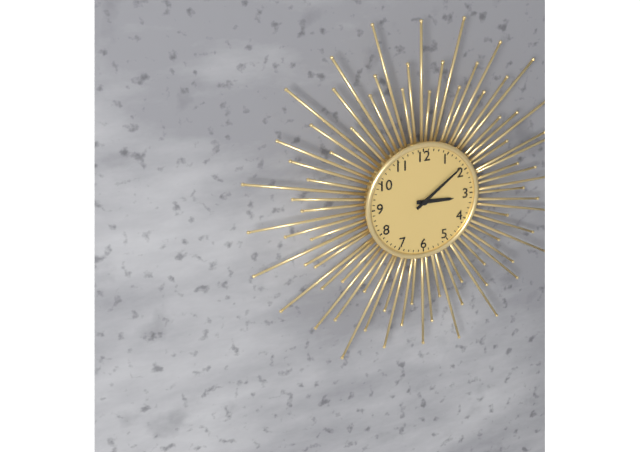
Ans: {"hour": 3, "minute": 9}
